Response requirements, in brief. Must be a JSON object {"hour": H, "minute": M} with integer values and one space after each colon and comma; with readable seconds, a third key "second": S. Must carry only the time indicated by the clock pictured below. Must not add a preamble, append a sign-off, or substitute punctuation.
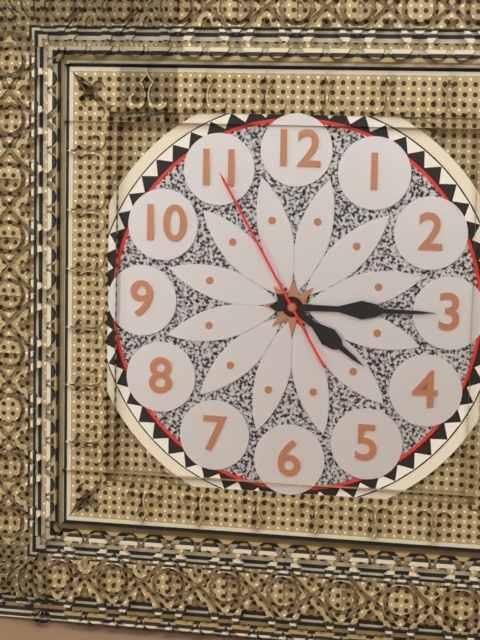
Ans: {"hour": 4, "minute": 15, "second": 55}
